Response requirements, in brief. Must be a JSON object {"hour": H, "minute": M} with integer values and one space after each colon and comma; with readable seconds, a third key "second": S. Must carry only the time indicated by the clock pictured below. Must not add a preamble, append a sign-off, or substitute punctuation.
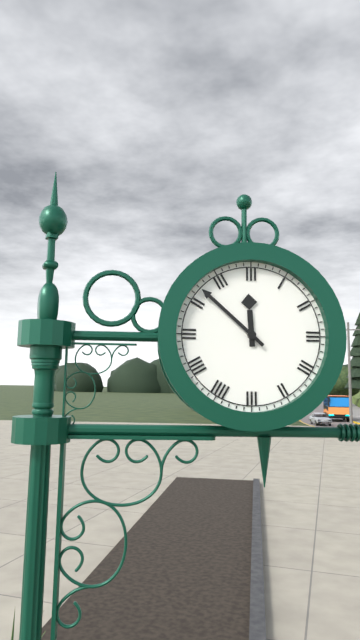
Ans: {"hour": 11, "minute": 52}
